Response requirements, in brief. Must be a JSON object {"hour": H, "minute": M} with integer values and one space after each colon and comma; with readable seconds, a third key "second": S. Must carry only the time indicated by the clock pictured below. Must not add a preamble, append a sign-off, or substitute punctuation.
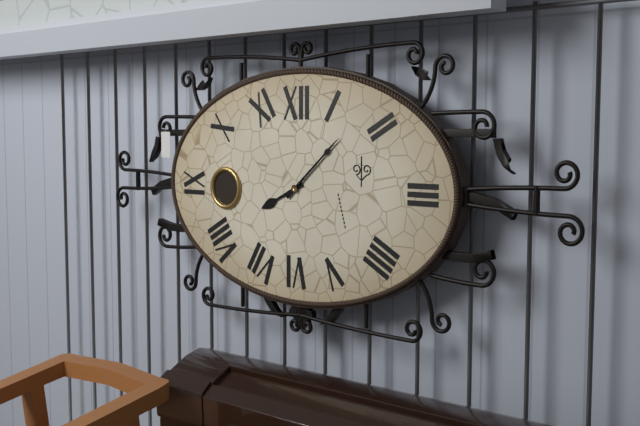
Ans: {"hour": 8, "minute": 8}
